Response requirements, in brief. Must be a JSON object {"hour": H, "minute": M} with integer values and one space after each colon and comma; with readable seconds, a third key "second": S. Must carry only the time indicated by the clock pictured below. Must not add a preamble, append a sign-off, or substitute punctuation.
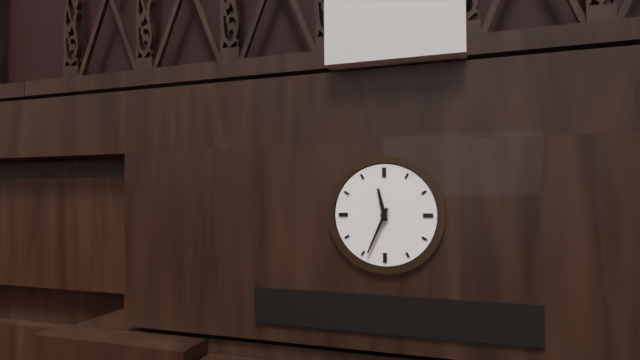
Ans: {"hour": 11, "minute": 34}
